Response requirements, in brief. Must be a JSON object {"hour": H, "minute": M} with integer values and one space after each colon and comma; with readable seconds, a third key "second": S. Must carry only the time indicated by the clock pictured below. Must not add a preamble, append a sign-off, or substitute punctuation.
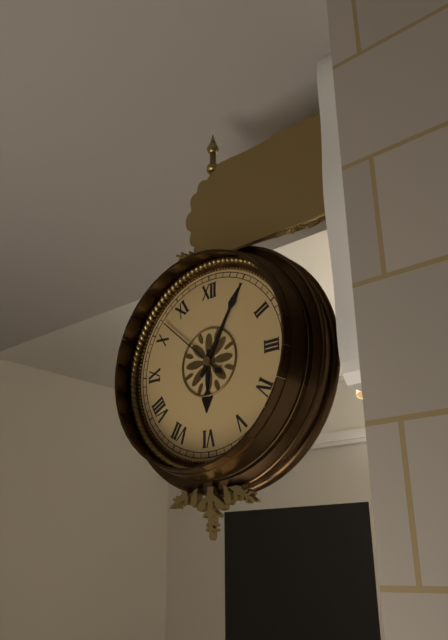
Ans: {"hour": 6, "minute": 5, "second": 52}
